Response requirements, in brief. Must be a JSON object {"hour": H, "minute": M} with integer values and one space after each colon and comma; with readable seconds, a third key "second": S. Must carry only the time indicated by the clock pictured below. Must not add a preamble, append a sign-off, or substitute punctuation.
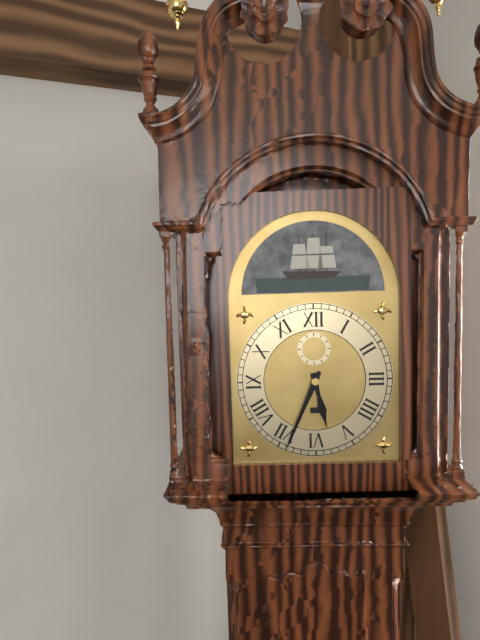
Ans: {"hour": 5, "minute": 34}
